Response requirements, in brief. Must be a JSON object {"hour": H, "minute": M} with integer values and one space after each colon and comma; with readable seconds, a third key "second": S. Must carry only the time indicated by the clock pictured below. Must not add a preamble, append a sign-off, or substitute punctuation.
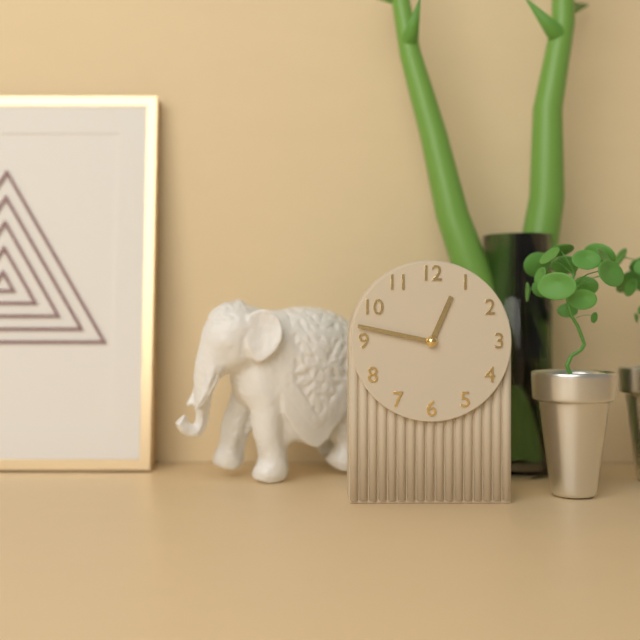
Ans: {"hour": 12, "minute": 47}
